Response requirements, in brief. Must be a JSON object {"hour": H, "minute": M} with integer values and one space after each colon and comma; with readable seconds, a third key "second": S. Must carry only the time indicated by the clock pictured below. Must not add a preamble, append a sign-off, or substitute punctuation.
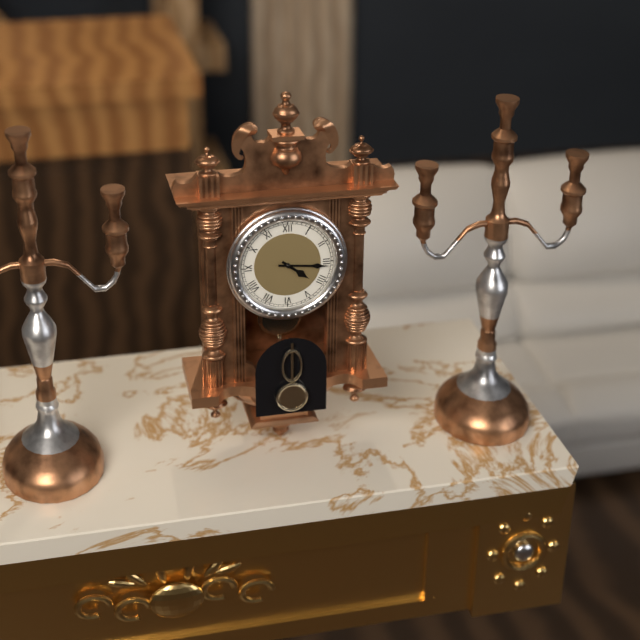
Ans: {"hour": 4, "minute": 16}
